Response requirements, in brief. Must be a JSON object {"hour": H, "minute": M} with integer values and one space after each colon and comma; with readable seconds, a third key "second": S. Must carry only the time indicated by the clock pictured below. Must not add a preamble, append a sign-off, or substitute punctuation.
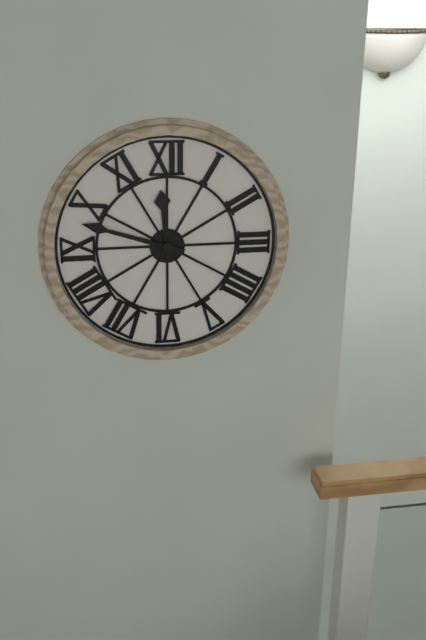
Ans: {"hour": 11, "minute": 48}
